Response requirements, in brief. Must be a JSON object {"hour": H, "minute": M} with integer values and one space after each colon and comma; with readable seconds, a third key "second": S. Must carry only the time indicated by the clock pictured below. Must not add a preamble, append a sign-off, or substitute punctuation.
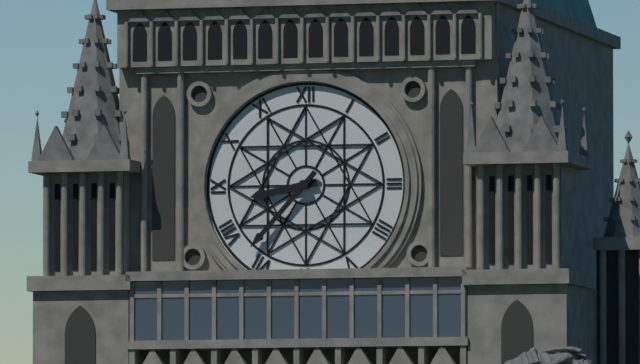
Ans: {"hour": 8, "minute": 37}
